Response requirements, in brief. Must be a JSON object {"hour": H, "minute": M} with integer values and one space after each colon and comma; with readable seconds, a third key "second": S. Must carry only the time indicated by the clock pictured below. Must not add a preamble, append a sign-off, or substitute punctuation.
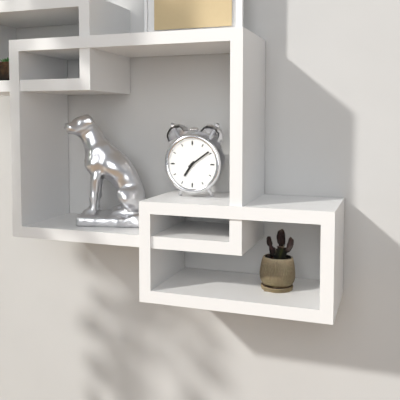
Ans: {"hour": 7, "minute": 9}
